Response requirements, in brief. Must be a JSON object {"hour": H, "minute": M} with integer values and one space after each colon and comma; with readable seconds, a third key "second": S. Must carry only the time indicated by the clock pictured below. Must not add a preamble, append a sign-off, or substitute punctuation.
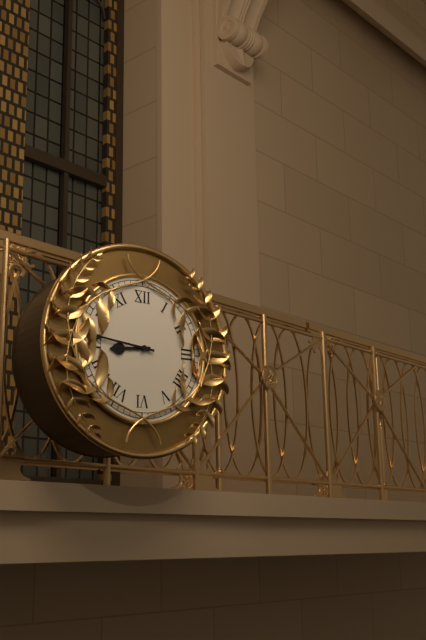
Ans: {"hour": 8, "minute": 46}
